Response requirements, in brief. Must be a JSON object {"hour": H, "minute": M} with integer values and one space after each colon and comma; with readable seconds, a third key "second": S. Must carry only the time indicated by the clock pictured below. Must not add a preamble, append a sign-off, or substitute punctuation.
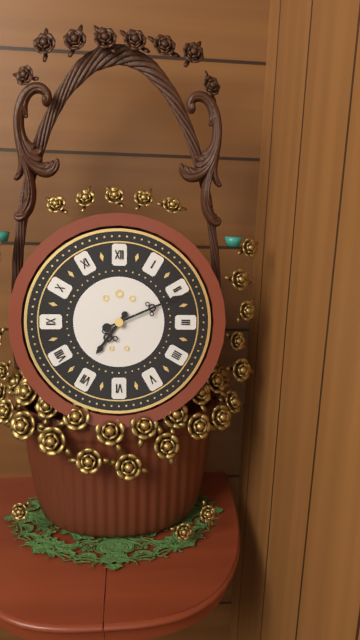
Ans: {"hour": 7, "minute": 11}
